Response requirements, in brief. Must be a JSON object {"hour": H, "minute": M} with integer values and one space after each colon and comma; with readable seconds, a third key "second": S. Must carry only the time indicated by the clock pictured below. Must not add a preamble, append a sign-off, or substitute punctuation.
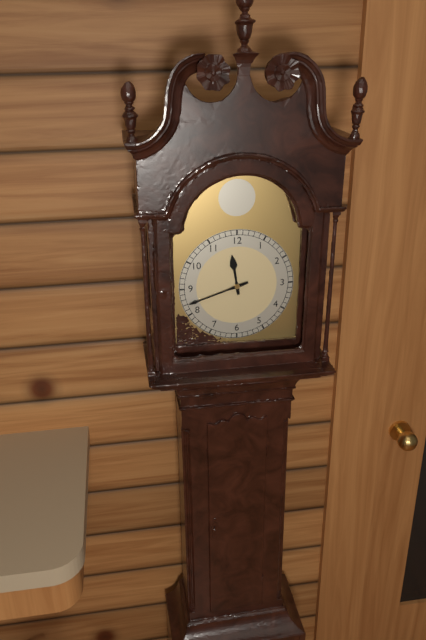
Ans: {"hour": 11, "minute": 42}
